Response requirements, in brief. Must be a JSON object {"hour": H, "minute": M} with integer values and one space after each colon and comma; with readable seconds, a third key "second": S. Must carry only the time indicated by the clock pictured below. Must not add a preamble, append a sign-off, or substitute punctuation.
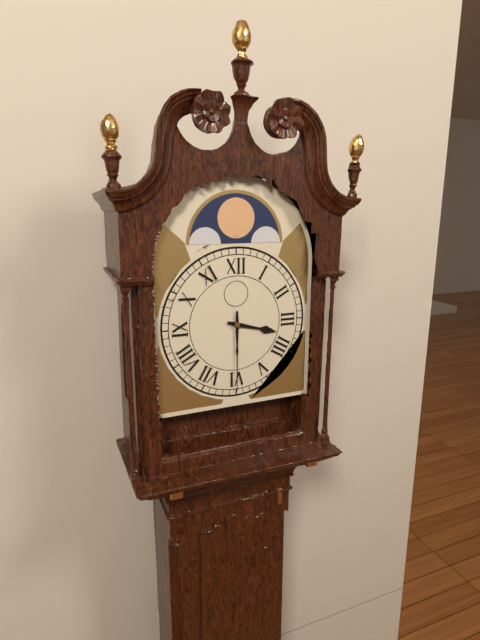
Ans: {"hour": 3, "minute": 30}
